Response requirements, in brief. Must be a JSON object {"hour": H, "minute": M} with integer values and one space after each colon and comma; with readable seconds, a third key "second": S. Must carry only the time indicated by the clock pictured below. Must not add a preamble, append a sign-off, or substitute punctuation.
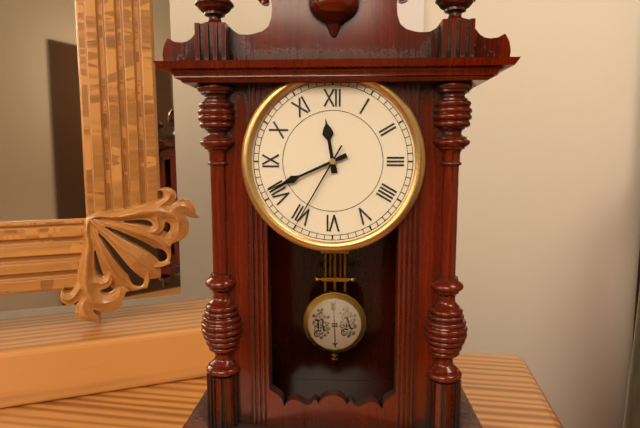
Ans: {"hour": 11, "minute": 41, "second": 35}
